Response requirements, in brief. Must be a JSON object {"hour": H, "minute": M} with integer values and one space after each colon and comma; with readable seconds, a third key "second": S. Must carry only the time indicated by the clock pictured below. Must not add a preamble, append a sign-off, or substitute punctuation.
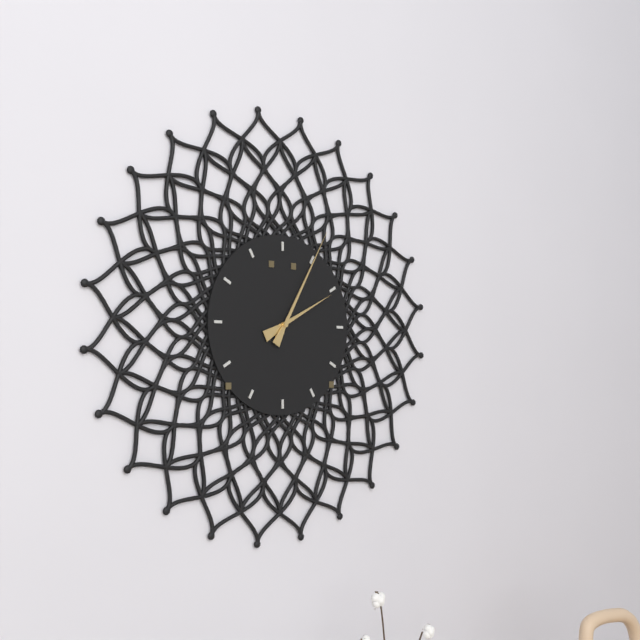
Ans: {"hour": 2, "minute": 5}
